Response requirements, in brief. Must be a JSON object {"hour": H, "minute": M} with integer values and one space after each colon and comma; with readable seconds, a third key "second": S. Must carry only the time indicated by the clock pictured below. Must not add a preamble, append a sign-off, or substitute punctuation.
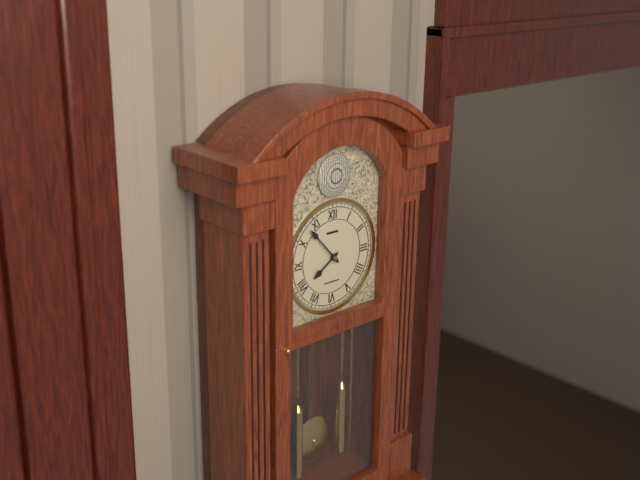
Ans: {"hour": 7, "minute": 53}
